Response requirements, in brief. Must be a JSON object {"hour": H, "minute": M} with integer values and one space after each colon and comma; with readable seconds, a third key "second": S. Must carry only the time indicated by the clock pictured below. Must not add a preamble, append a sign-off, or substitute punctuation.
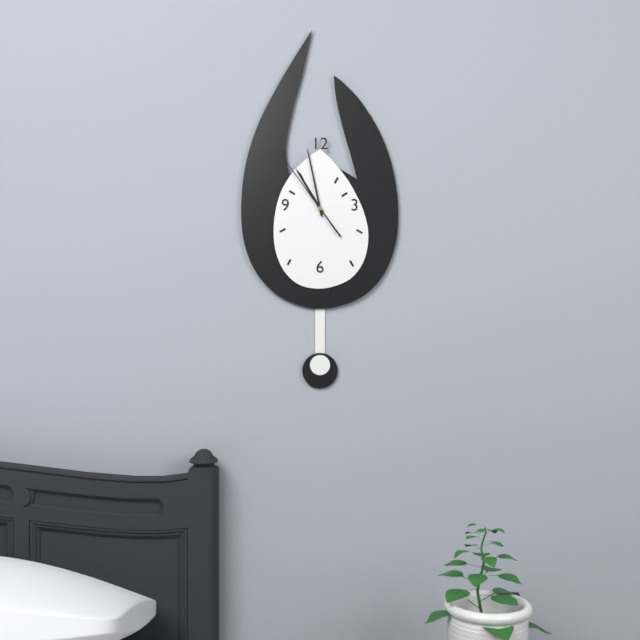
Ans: {"hour": 10, "minute": 58, "second": 54}
